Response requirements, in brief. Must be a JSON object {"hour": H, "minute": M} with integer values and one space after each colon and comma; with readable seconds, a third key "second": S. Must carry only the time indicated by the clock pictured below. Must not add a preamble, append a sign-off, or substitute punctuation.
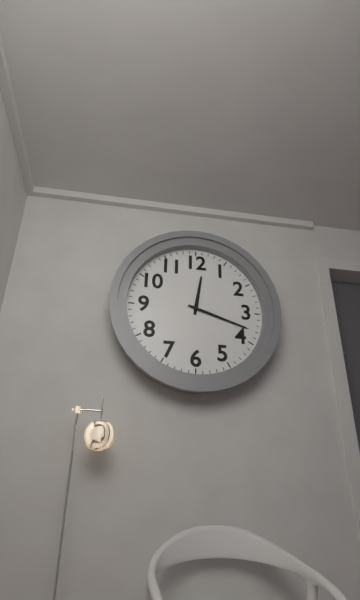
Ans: {"hour": 12, "minute": 18}
